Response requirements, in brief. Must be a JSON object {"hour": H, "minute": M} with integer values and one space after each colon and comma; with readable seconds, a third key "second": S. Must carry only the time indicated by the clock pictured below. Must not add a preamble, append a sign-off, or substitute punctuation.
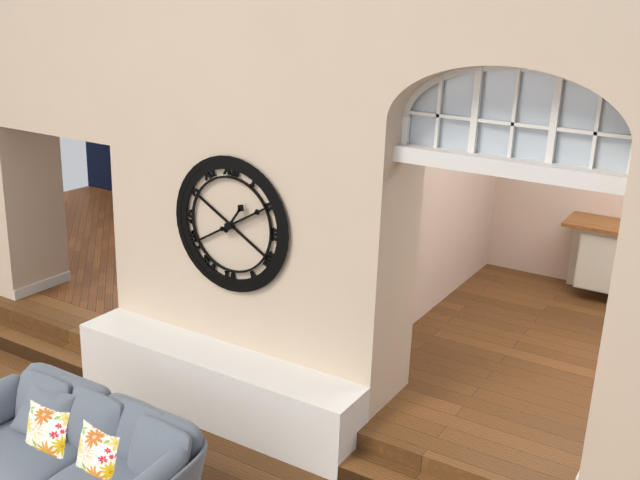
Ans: {"hour": 1, "minute": 10}
